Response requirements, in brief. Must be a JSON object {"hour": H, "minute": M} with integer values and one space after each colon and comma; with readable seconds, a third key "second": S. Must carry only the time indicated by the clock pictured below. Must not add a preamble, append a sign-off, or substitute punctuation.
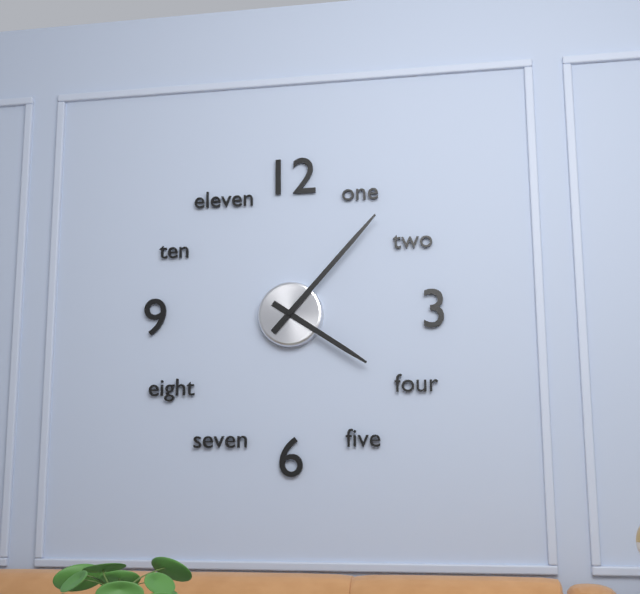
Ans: {"hour": 4, "minute": 7}
